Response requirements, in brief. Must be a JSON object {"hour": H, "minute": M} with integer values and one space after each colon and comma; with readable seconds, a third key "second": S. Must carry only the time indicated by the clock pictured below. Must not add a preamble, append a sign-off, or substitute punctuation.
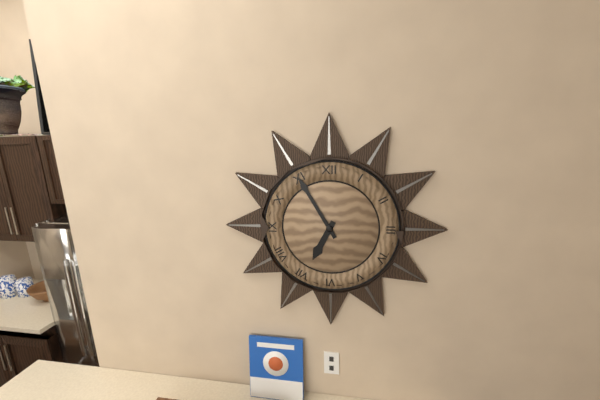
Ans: {"hour": 6, "minute": 55}
